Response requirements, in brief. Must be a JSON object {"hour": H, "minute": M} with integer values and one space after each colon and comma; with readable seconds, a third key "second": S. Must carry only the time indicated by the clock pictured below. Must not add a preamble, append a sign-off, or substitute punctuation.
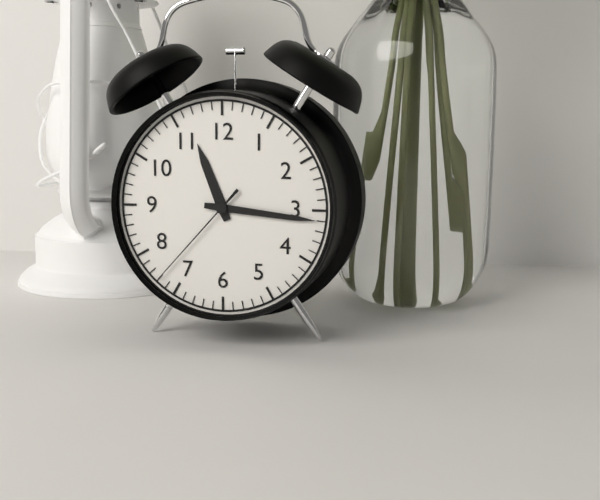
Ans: {"hour": 11, "minute": 16, "second": 37}
